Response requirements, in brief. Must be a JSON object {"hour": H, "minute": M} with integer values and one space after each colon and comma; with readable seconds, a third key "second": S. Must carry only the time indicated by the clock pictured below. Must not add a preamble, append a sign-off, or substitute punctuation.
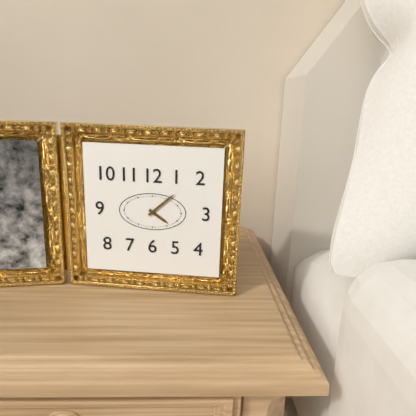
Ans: {"hour": 4, "minute": 8}
